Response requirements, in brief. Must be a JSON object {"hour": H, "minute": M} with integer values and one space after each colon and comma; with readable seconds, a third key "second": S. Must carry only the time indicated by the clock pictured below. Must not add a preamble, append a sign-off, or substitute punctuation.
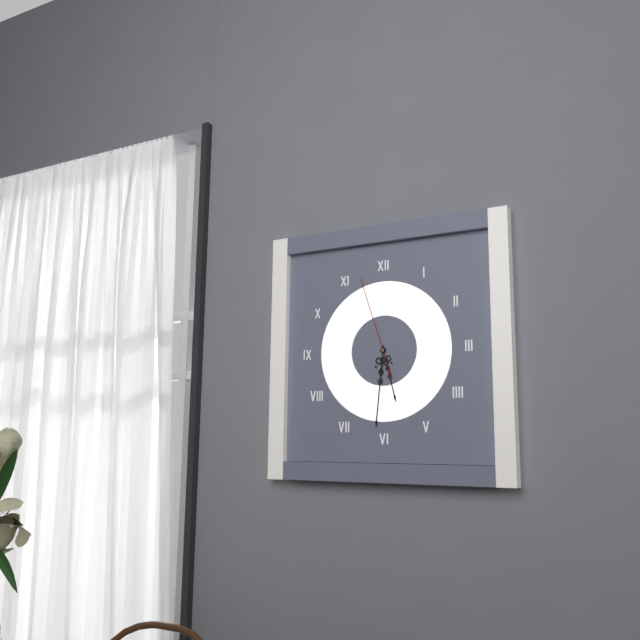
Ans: {"hour": 5, "minute": 31, "second": 57}
